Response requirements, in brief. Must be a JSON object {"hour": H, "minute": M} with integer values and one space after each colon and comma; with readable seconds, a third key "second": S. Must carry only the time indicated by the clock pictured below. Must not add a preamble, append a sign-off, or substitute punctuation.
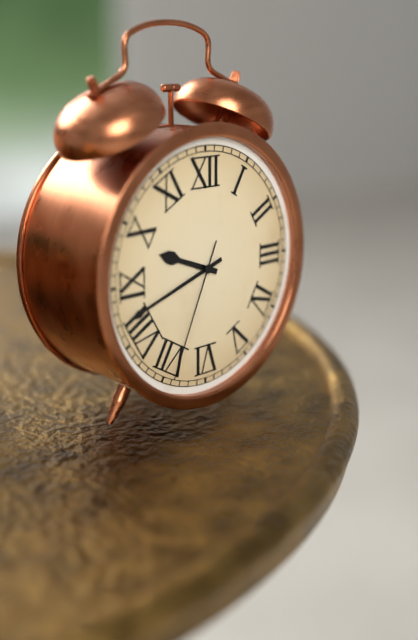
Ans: {"hour": 9, "minute": 42, "second": 34}
